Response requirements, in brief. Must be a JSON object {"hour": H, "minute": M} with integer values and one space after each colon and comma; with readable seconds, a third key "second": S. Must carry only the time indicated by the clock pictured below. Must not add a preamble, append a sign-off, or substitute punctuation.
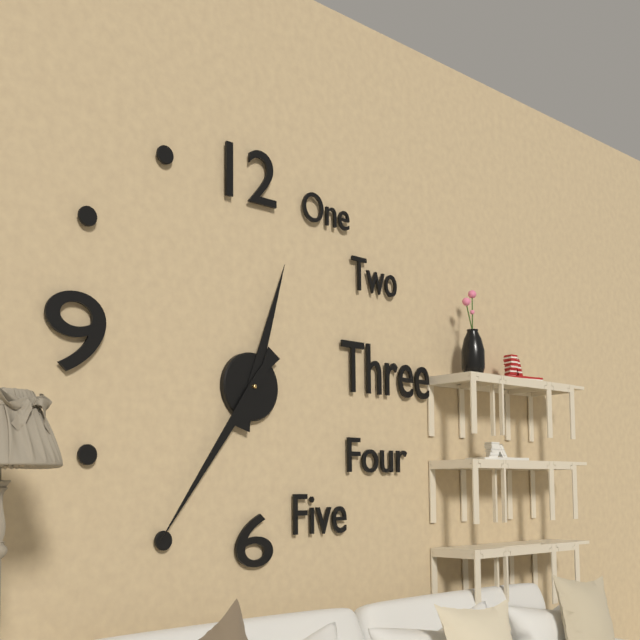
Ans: {"hour": 12, "minute": 36}
